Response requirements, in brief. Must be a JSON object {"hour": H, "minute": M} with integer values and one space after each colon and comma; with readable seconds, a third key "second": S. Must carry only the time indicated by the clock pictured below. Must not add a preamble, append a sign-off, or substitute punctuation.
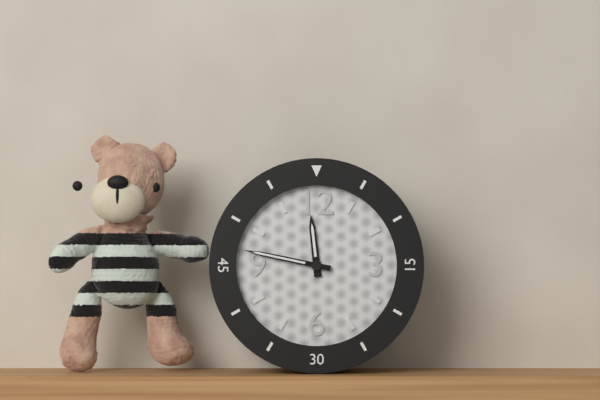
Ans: {"hour": 11, "minute": 47}
